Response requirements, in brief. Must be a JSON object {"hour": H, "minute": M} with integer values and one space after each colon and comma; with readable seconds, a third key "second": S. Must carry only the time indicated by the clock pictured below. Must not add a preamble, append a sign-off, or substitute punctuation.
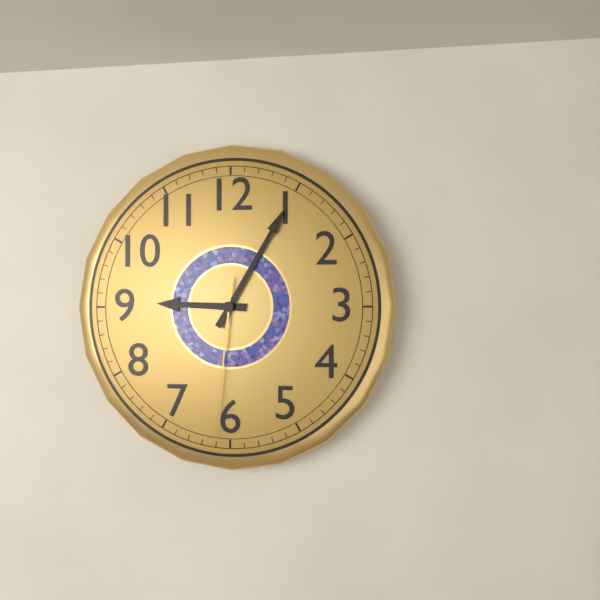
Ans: {"hour": 9, "minute": 5, "second": 31}
